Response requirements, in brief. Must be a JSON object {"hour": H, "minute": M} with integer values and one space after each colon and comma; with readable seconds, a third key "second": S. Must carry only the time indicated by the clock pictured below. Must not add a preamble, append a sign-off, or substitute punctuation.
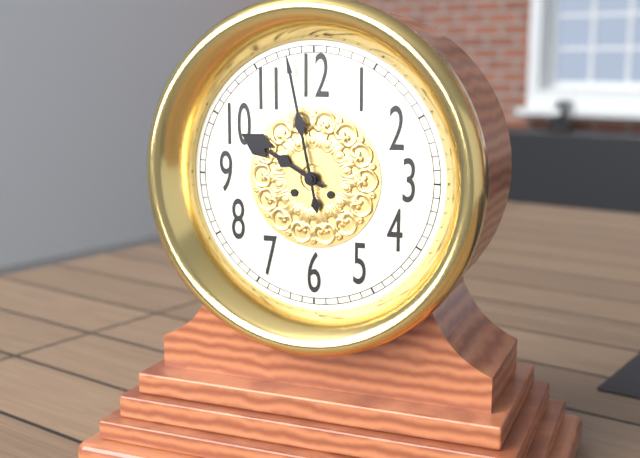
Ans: {"hour": 9, "minute": 58}
